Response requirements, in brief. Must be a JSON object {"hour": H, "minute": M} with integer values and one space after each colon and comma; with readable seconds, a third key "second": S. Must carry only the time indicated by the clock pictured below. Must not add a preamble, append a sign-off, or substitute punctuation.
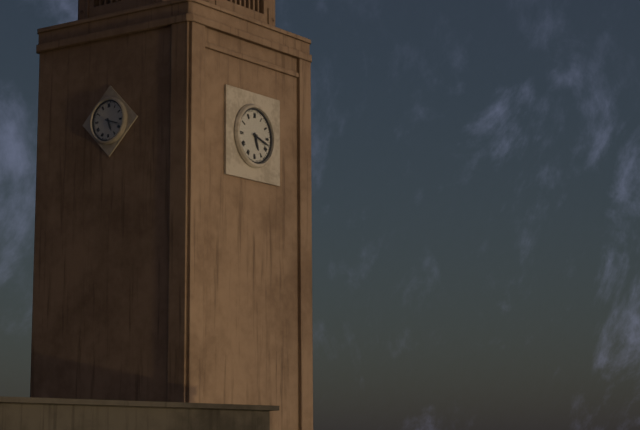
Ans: {"hour": 5, "minute": 18}
